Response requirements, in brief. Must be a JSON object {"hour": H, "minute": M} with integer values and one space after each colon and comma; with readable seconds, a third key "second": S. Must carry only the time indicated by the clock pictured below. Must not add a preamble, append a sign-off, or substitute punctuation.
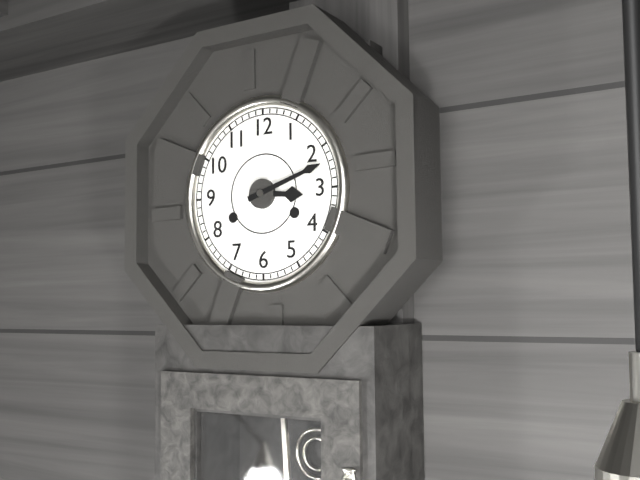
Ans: {"hour": 3, "minute": 12}
